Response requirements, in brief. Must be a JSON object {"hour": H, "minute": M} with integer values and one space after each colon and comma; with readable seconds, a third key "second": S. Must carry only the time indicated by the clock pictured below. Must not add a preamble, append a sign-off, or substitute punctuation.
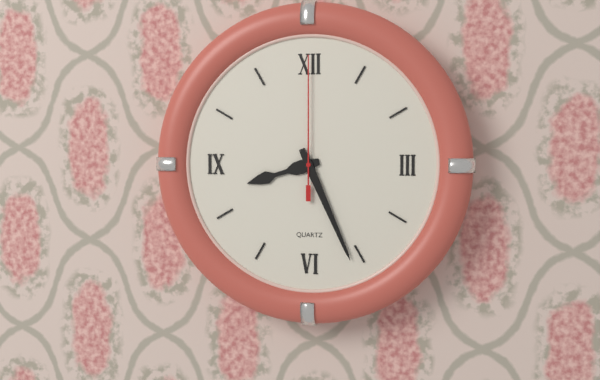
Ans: {"hour": 8, "minute": 26, "second": 0}
